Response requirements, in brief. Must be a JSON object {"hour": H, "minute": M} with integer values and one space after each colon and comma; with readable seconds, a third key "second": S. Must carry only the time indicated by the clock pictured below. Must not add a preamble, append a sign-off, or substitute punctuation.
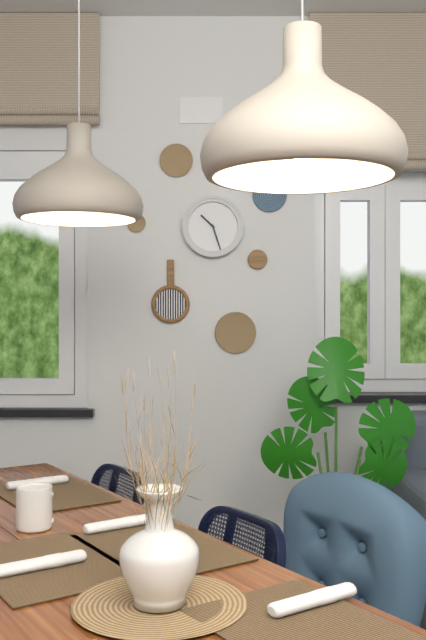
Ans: {"hour": 10, "minute": 27}
